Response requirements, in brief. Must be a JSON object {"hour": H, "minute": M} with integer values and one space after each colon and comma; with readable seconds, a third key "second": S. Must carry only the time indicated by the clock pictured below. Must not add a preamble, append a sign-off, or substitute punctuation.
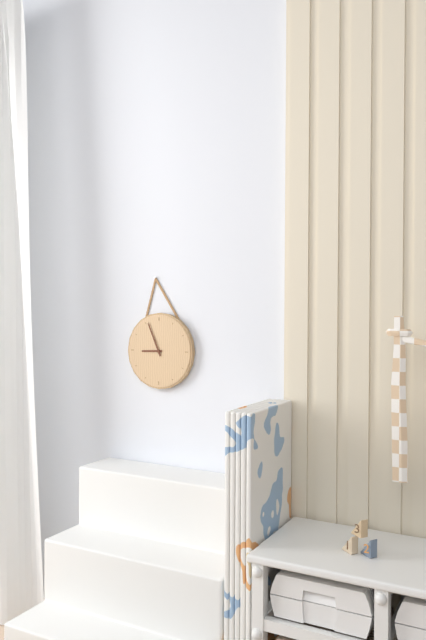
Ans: {"hour": 8, "minute": 56}
